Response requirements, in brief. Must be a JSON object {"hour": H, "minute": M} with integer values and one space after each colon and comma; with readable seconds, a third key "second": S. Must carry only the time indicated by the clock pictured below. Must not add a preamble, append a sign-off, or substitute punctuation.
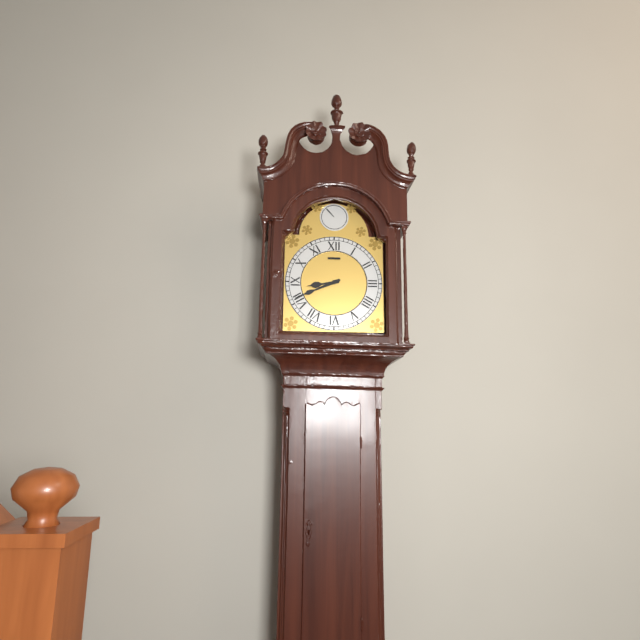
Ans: {"hour": 8, "minute": 41}
